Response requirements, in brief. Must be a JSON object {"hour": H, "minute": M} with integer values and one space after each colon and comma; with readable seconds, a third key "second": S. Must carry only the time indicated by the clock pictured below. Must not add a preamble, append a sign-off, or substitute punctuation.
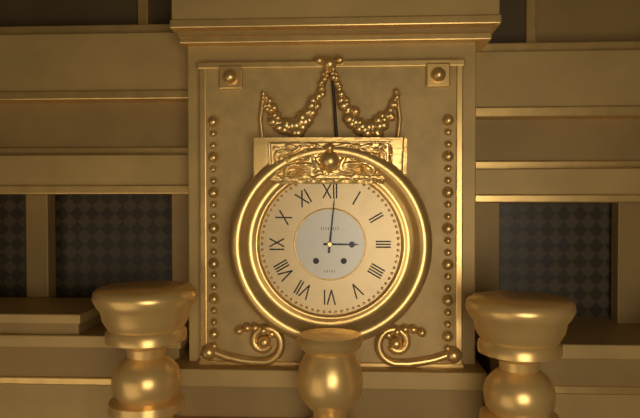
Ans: {"hour": 3, "minute": 1}
